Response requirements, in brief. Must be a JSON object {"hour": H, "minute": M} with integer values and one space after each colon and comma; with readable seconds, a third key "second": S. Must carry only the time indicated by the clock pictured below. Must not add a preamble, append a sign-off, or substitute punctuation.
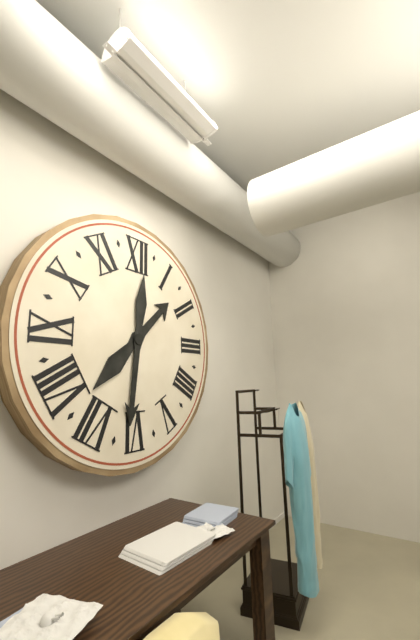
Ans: {"hour": 1, "minute": 31}
